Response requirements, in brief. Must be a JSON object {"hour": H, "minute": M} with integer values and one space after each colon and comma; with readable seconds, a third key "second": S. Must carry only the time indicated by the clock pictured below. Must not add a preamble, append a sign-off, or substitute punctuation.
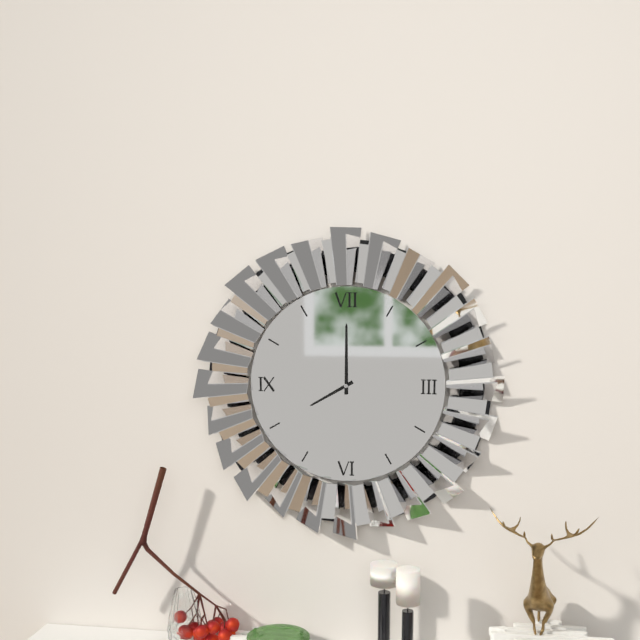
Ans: {"hour": 8, "minute": 0}
